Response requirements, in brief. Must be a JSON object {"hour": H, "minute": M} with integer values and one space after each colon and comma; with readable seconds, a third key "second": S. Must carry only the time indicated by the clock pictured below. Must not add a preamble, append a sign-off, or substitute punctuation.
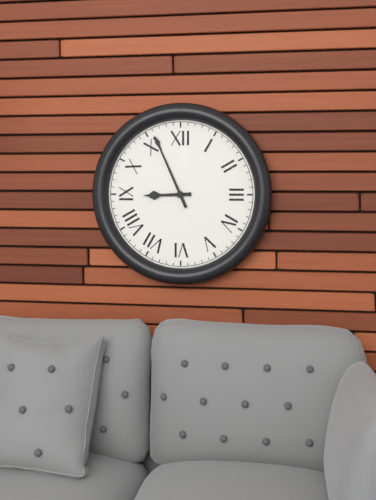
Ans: {"hour": 8, "minute": 56}
